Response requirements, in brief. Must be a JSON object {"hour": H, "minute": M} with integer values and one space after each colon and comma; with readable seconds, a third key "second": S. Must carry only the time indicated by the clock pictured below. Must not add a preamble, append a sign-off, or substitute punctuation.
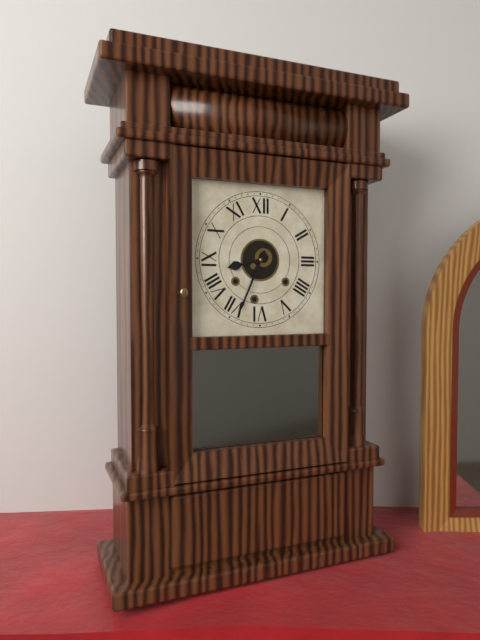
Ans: {"hour": 8, "minute": 34}
